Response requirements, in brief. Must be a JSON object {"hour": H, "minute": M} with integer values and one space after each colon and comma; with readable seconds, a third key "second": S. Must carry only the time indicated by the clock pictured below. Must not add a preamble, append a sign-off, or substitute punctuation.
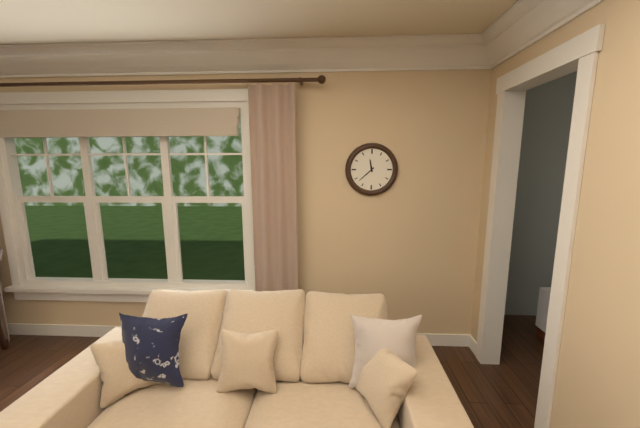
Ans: {"hour": 11, "minute": 38}
